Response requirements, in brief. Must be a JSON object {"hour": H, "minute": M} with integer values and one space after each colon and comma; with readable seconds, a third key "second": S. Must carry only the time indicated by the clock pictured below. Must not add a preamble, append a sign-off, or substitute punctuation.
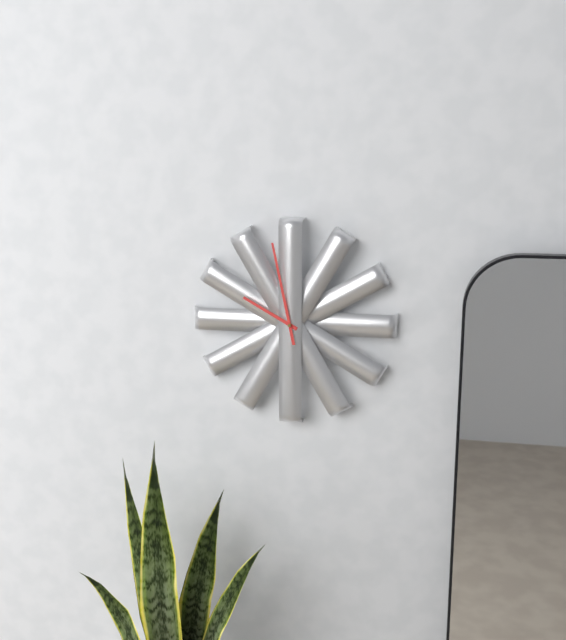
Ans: {"hour": 9, "minute": 58}
